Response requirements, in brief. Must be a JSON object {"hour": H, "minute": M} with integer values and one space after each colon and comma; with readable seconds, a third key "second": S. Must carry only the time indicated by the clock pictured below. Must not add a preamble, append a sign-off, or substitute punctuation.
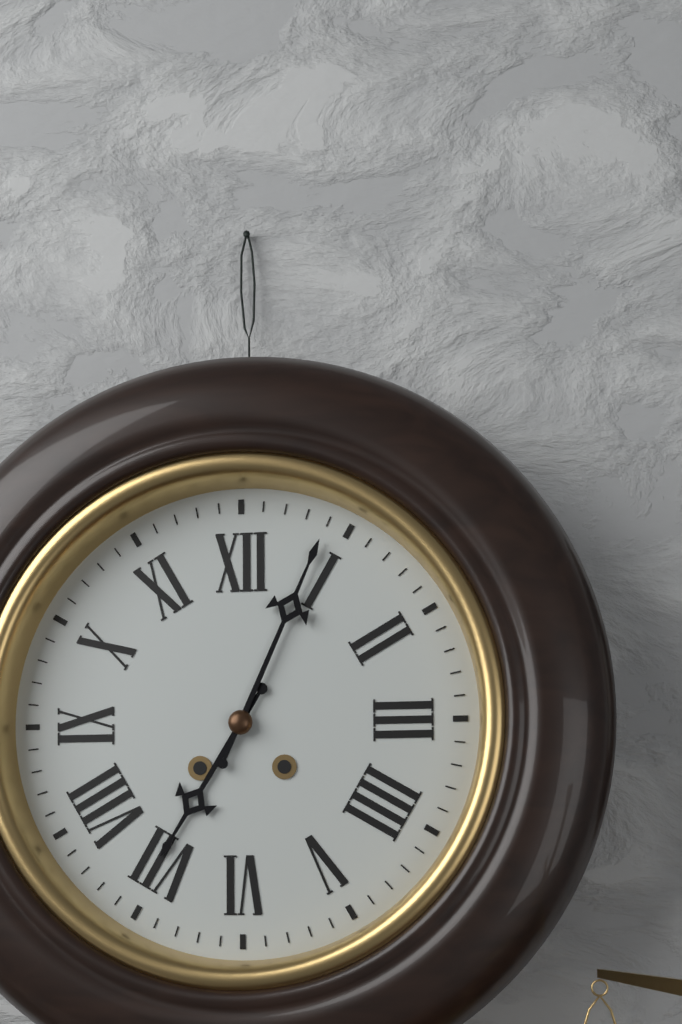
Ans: {"hour": 7, "minute": 4}
